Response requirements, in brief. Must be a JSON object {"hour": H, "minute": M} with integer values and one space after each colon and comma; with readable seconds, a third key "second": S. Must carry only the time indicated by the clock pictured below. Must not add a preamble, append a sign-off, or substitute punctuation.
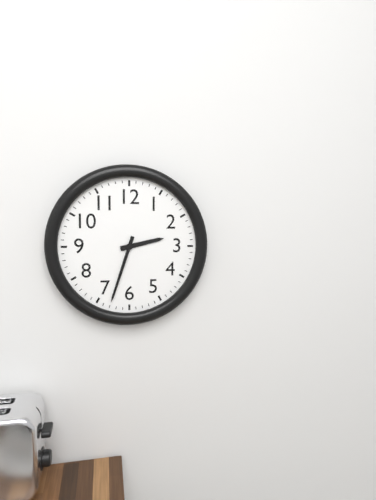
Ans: {"hour": 2, "minute": 33}
